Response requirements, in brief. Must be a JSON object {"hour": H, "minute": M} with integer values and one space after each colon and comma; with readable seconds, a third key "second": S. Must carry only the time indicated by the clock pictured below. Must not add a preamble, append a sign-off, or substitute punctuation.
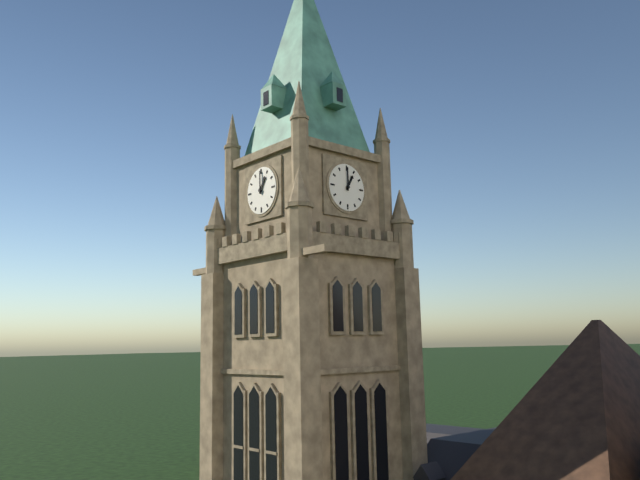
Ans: {"hour": 1, "minute": 0}
